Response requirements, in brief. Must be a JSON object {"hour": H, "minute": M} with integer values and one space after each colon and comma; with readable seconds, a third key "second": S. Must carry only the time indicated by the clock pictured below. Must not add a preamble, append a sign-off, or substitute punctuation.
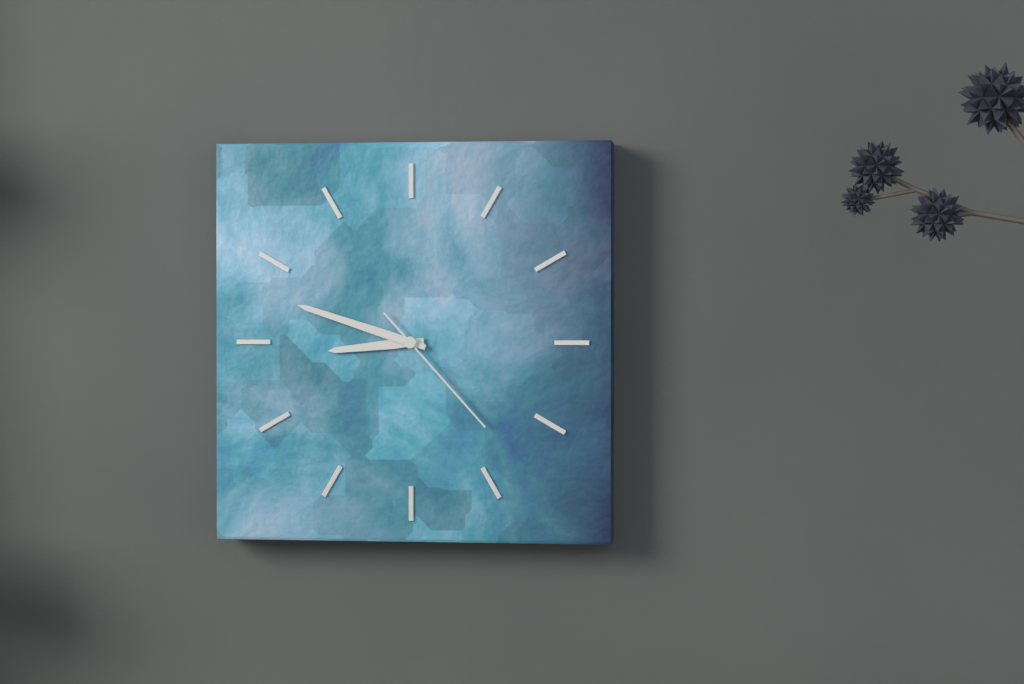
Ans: {"hour": 8, "minute": 48, "second": 23}
